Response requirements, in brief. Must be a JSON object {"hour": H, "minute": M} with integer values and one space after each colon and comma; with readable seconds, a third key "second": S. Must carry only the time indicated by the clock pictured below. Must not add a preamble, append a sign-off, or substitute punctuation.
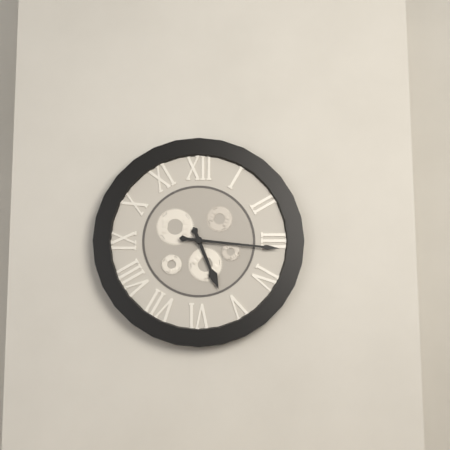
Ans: {"hour": 5, "minute": 16}
